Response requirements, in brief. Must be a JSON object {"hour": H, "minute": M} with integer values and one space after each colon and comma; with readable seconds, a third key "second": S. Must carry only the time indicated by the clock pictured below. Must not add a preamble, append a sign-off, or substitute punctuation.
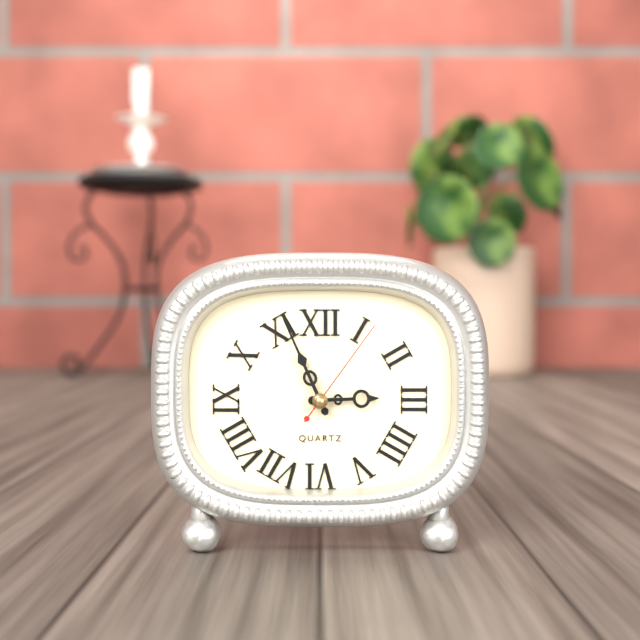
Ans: {"hour": 2, "minute": 56, "second": 6}
